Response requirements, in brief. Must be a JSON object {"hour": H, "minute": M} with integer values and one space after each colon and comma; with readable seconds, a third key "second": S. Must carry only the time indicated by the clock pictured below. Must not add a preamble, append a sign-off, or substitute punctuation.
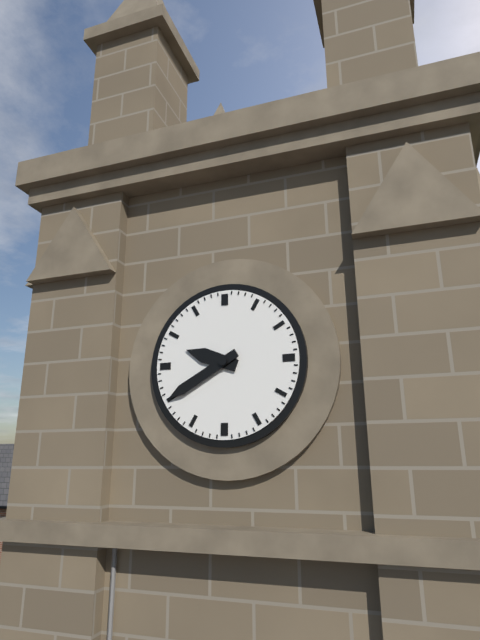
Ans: {"hour": 9, "minute": 40}
